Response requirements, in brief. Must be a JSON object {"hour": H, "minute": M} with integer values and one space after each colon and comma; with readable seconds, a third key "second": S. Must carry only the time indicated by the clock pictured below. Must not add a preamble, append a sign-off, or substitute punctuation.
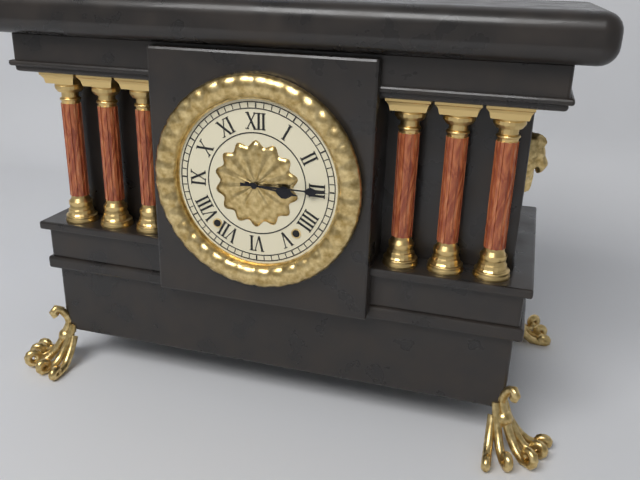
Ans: {"hour": 3, "minute": 15}
